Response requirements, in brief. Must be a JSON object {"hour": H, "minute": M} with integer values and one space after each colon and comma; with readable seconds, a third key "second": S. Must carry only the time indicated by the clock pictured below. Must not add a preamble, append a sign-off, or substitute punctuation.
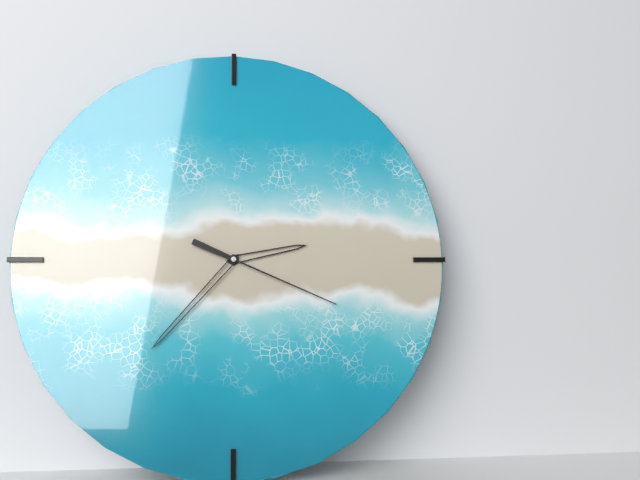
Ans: {"hour": 2, "minute": 37, "second": 19}
